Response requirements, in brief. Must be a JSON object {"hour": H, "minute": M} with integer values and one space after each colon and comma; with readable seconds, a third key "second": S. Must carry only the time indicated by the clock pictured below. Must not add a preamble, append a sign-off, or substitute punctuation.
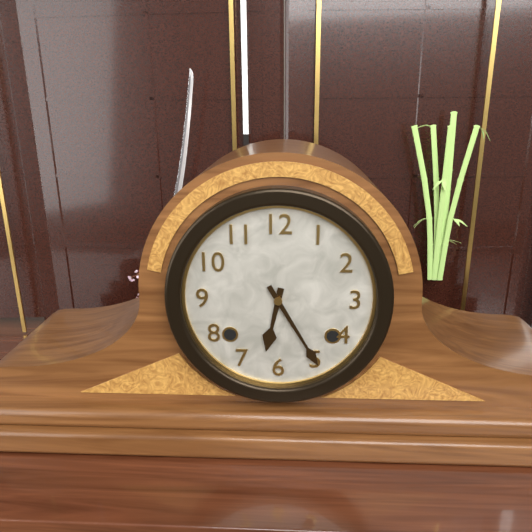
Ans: {"hour": 6, "minute": 25}
